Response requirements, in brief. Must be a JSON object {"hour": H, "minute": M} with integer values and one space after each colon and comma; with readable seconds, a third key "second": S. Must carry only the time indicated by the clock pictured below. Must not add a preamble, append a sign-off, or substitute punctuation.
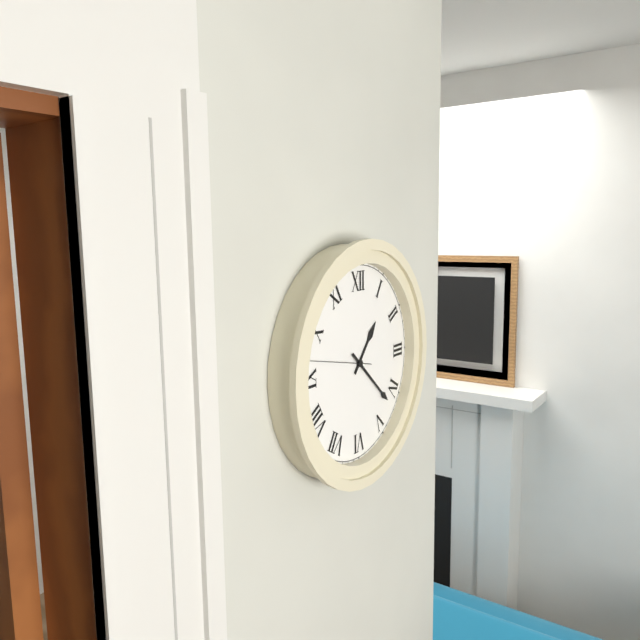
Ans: {"hour": 1, "minute": 22, "second": 47}
